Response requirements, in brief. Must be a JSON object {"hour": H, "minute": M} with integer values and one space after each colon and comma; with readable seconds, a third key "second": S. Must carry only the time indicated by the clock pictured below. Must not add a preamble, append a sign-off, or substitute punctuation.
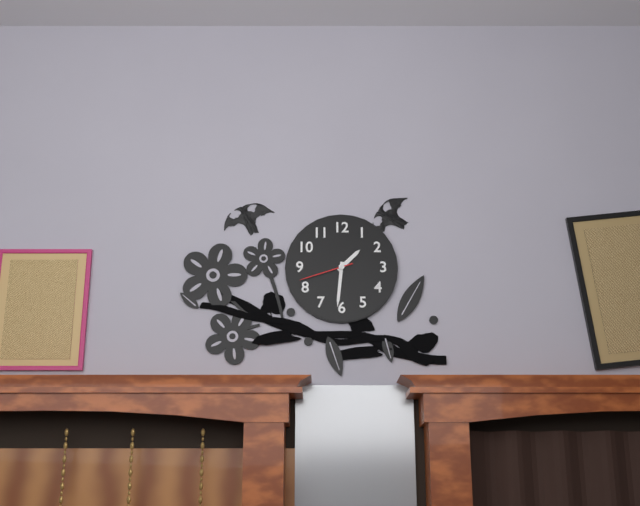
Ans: {"hour": 1, "minute": 31, "second": 42}
